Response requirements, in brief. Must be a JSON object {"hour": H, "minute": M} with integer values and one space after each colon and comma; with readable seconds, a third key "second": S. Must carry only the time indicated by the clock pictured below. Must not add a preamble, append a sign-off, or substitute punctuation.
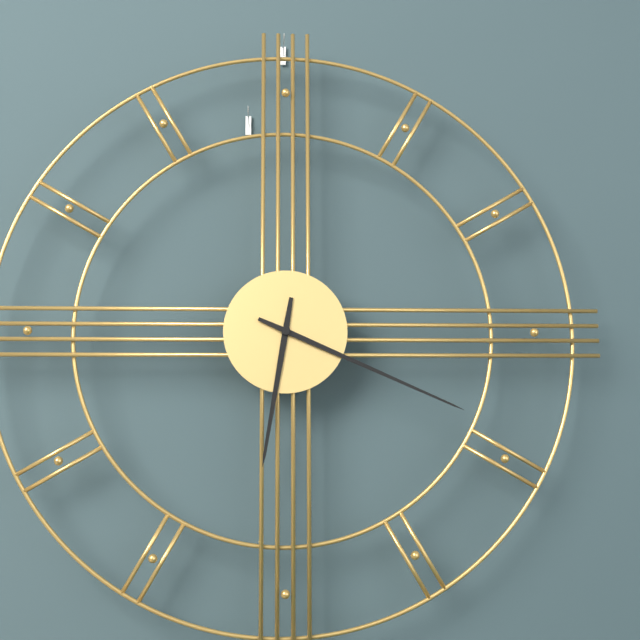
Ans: {"hour": 6, "minute": 19}
